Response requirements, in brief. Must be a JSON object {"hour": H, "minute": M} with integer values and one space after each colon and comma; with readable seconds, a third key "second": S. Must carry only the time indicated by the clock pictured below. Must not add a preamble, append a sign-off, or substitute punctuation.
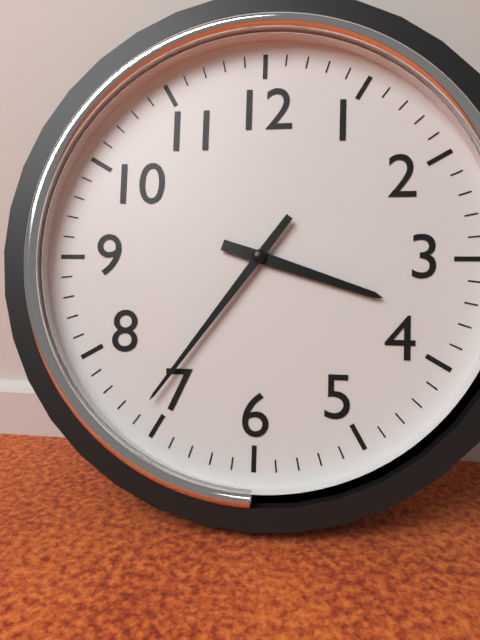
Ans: {"hour": 3, "minute": 36}
